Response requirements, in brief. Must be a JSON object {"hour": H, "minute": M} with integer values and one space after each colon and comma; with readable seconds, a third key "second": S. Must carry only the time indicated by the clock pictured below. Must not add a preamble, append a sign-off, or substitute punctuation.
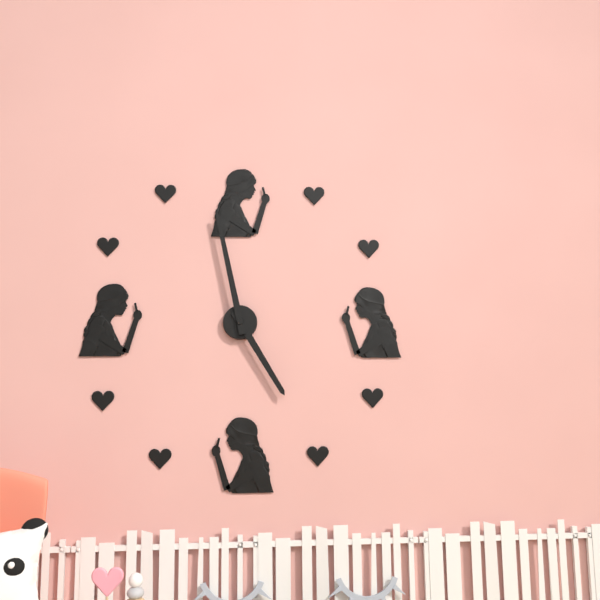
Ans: {"hour": 4, "minute": 58}
